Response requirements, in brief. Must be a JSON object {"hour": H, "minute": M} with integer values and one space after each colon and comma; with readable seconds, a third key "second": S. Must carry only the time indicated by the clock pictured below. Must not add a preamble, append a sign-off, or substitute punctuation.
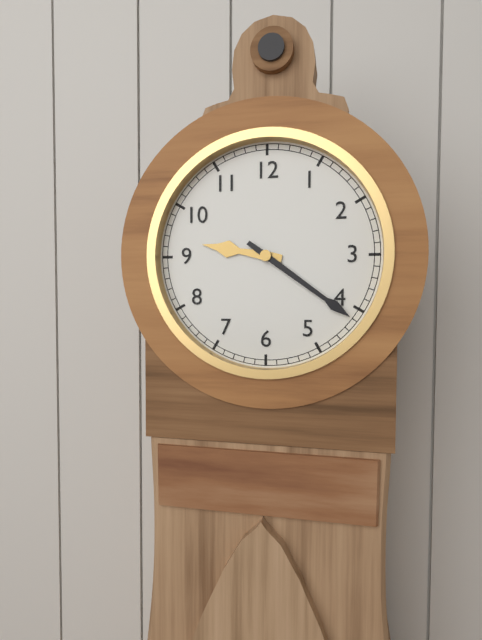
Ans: {"hour": 9, "minute": 21}
